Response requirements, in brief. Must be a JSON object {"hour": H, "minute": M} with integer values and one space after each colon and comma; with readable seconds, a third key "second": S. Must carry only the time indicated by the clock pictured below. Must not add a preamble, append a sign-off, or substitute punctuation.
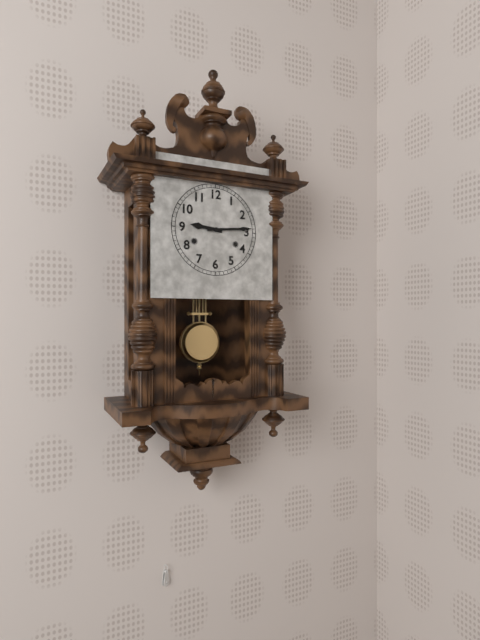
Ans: {"hour": 9, "minute": 14}
